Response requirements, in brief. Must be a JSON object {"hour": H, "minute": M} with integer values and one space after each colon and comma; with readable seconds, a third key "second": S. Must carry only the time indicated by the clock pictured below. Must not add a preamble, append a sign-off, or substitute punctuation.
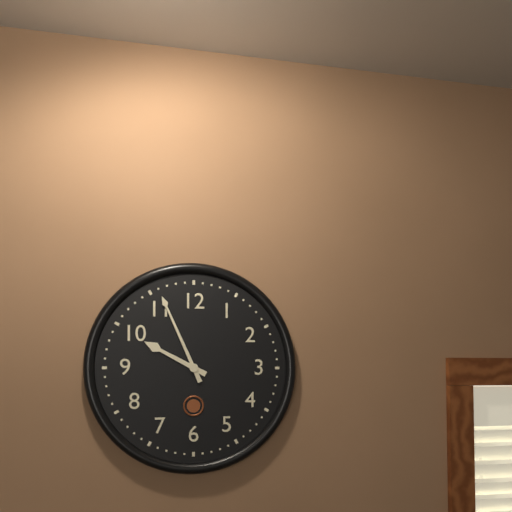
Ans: {"hour": 9, "minute": 56}
